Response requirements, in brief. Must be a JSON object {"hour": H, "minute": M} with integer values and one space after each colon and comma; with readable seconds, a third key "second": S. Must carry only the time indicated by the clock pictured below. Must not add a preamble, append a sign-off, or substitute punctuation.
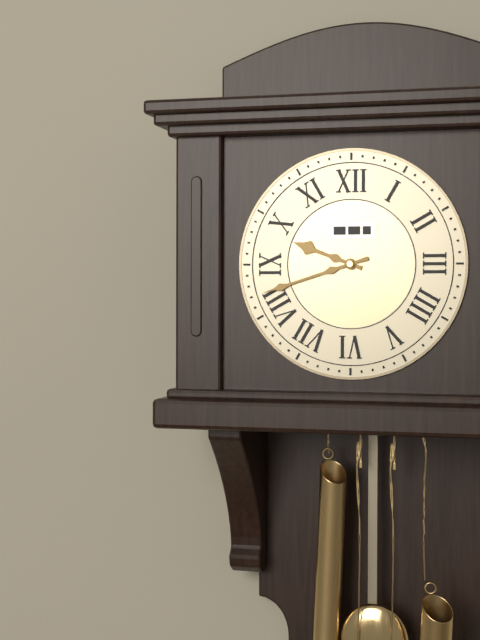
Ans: {"hour": 9, "minute": 42}
